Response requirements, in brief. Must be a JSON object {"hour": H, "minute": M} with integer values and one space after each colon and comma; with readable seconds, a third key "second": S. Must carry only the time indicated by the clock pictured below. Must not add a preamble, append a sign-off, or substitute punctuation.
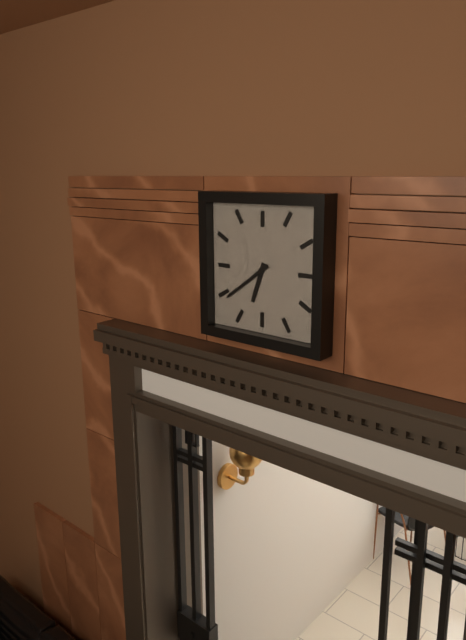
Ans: {"hour": 6, "minute": 39}
